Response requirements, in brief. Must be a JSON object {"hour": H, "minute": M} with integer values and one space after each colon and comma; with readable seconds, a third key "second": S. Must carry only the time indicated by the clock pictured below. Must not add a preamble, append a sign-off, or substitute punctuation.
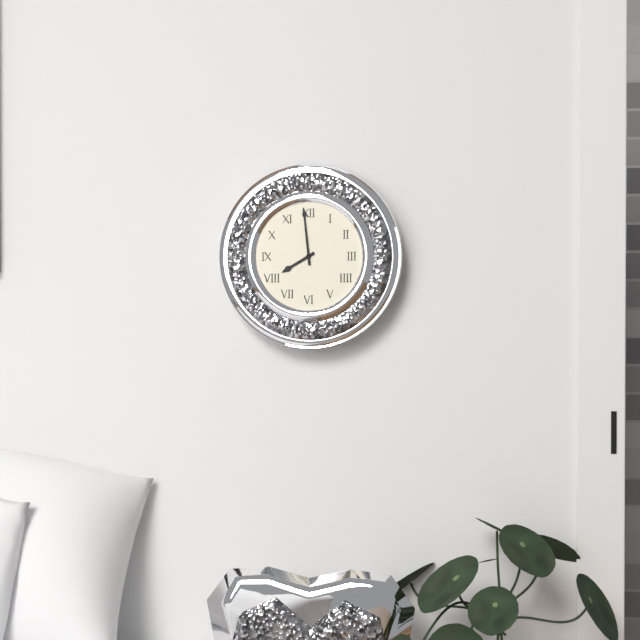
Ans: {"hour": 7, "minute": 59}
